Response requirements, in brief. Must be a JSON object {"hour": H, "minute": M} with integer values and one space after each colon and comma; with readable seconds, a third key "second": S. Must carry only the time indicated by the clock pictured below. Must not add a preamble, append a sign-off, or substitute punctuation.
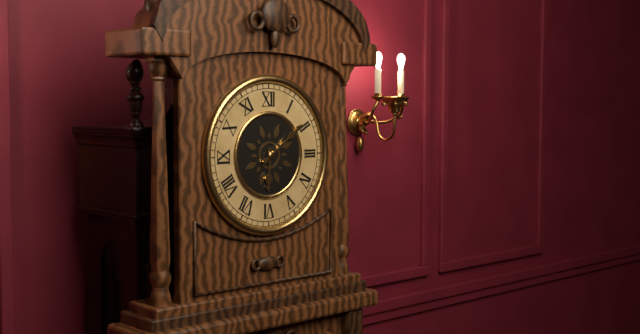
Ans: {"hour": 6, "minute": 9}
